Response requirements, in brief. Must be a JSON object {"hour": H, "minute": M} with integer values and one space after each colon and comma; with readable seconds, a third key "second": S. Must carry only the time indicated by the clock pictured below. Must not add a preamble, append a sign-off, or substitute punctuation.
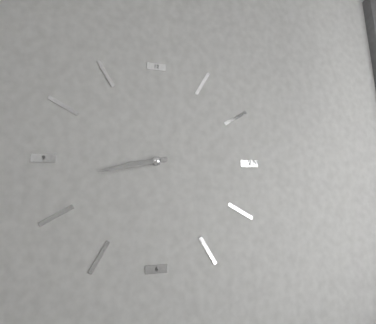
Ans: {"hour": 8, "minute": 43}
